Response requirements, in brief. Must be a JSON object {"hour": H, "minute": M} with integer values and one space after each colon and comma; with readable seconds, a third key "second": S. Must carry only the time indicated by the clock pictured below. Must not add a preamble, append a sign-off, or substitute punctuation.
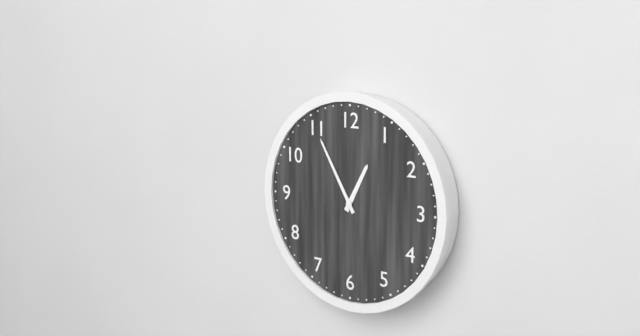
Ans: {"hour": 12, "minute": 55}
